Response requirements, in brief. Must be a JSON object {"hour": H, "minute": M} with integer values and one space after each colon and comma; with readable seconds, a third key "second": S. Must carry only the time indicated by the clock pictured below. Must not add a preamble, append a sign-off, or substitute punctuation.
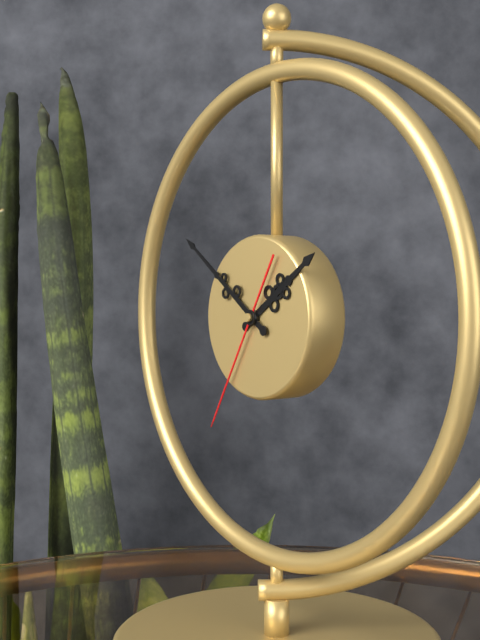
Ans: {"hour": 1, "minute": 51, "second": 35}
